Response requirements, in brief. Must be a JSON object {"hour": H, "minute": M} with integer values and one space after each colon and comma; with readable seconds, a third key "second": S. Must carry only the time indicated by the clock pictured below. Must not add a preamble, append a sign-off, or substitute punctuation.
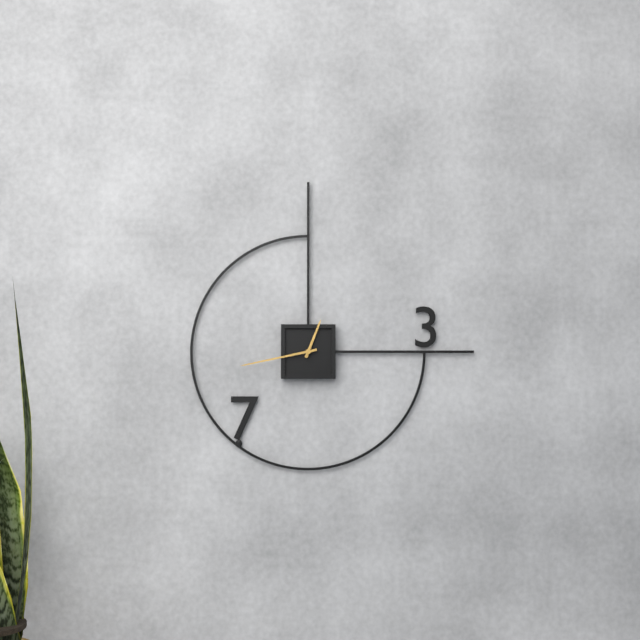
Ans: {"hour": 12, "minute": 43}
